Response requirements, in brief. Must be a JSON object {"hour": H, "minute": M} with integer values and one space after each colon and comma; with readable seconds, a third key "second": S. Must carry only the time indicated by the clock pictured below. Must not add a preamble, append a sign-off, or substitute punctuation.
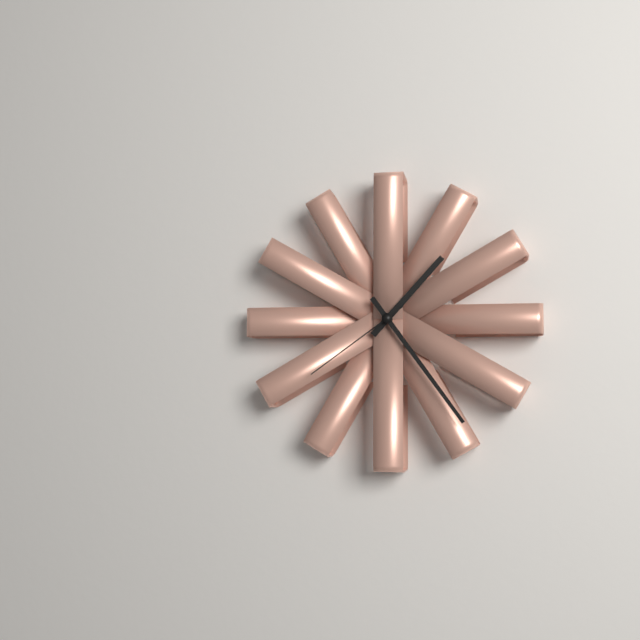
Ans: {"hour": 1, "minute": 24, "second": 39}
